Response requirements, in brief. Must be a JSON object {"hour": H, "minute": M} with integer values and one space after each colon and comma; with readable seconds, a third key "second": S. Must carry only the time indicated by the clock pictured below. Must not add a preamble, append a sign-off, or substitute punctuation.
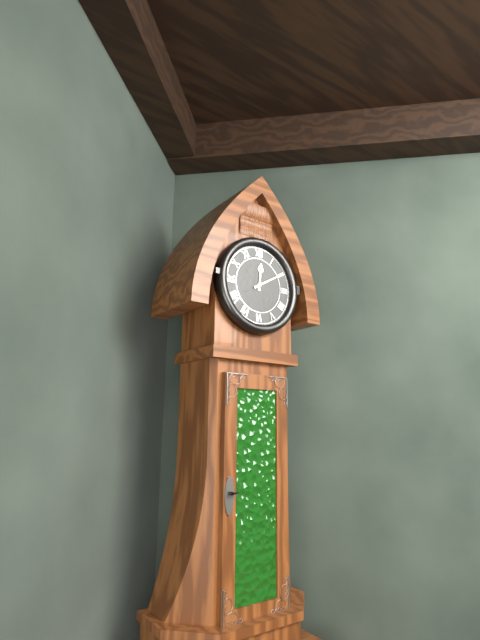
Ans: {"hour": 12, "minute": 10}
